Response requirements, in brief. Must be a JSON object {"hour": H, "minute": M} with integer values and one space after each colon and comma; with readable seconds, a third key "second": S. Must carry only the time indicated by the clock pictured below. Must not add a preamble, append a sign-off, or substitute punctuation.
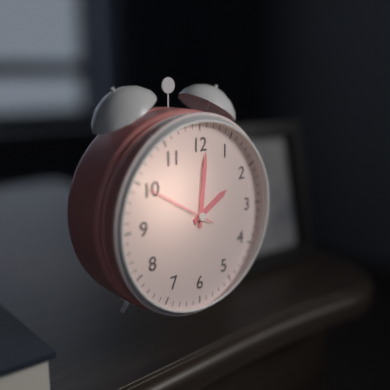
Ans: {"hour": 2, "minute": 1, "second": 50}
